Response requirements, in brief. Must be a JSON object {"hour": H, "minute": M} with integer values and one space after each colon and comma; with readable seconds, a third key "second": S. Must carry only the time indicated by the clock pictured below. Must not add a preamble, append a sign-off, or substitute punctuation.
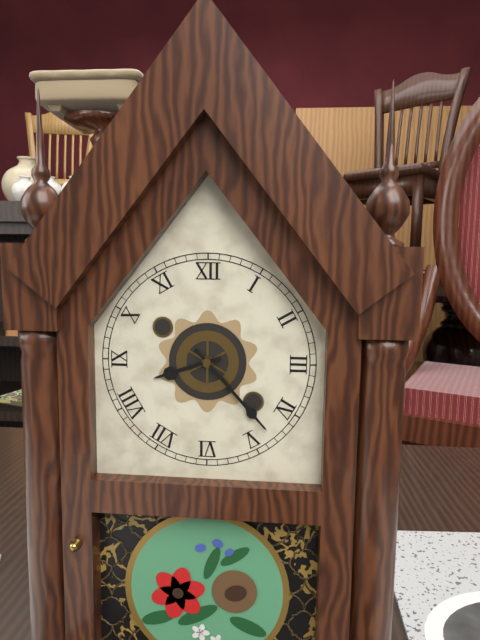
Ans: {"hour": 8, "minute": 23}
